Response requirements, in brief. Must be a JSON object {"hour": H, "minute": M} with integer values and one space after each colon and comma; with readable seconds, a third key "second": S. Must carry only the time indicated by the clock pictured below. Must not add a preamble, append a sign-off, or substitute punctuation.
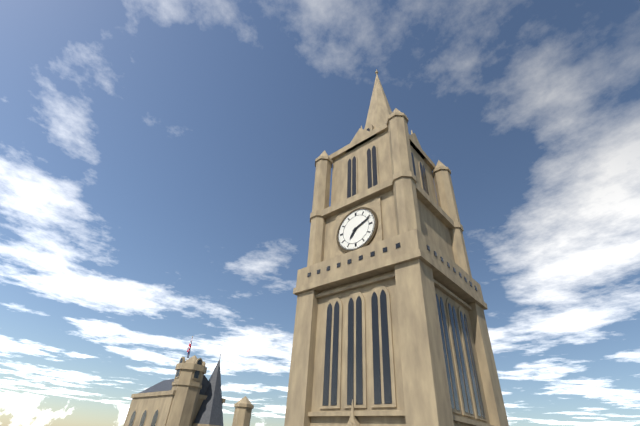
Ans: {"hour": 7, "minute": 11}
